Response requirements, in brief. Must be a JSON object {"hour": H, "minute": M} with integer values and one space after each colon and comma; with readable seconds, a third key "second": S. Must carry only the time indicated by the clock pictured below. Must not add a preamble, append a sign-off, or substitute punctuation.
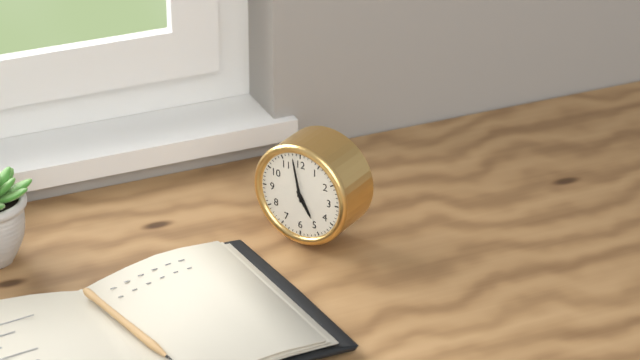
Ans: {"hour": 4, "minute": 58}
